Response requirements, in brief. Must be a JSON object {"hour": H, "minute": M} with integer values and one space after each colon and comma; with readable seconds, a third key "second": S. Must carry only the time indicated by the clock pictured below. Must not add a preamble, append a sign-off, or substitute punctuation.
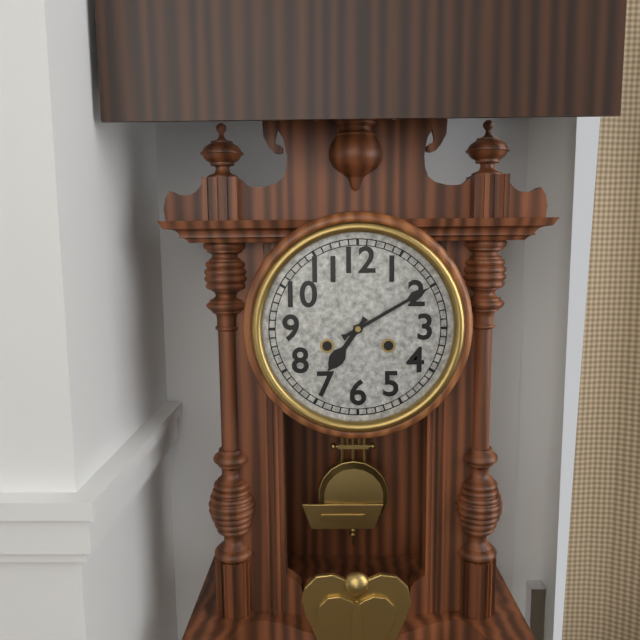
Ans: {"hour": 7, "minute": 10}
